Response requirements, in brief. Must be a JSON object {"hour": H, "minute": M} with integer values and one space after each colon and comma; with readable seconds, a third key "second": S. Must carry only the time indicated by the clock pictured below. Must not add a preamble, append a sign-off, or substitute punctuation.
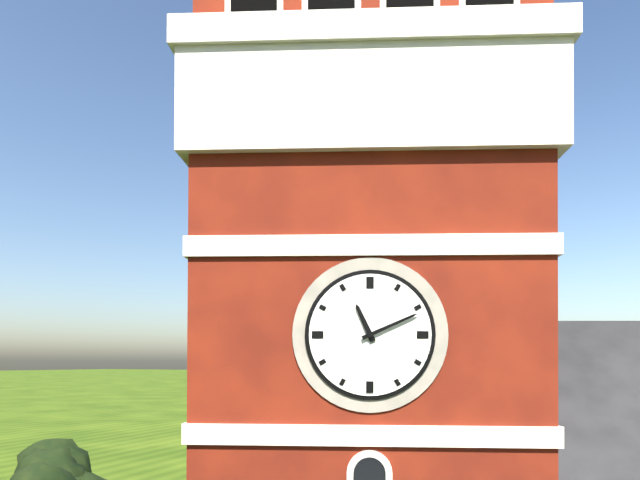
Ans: {"hour": 11, "minute": 11}
